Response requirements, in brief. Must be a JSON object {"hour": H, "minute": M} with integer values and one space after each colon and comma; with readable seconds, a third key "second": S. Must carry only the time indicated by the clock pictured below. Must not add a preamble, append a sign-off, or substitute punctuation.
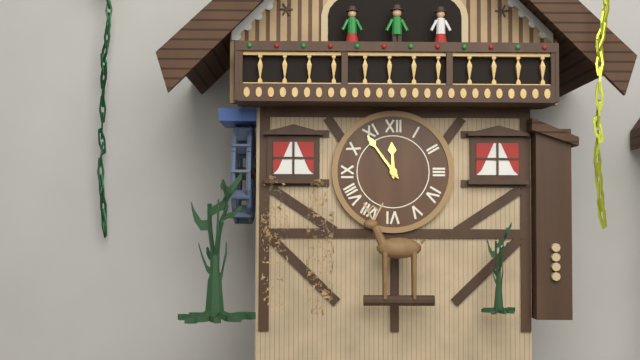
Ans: {"hour": 11, "minute": 54}
